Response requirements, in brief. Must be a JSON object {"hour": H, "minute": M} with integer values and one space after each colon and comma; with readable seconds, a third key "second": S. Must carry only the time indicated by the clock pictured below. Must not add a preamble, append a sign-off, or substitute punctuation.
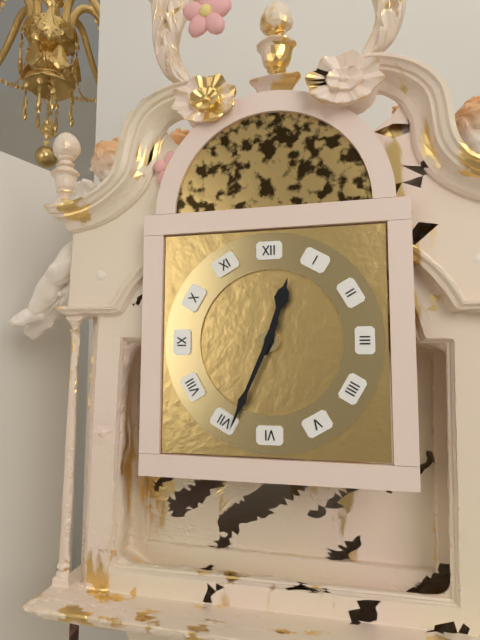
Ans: {"hour": 12, "minute": 34}
